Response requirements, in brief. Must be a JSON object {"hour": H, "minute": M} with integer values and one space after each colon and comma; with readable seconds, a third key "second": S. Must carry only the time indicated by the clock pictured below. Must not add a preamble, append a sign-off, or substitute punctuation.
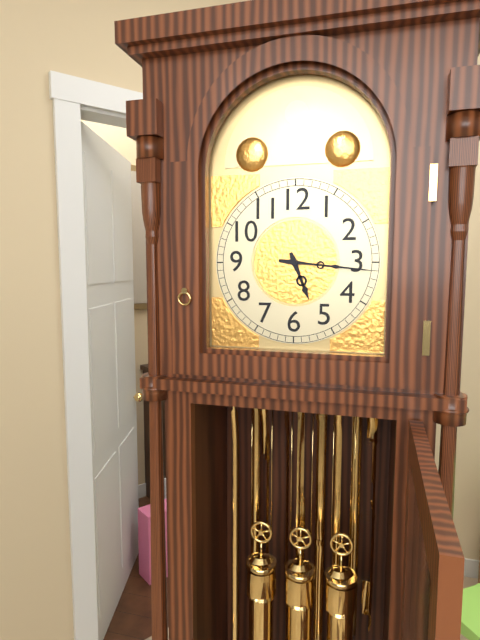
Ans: {"hour": 5, "minute": 16}
